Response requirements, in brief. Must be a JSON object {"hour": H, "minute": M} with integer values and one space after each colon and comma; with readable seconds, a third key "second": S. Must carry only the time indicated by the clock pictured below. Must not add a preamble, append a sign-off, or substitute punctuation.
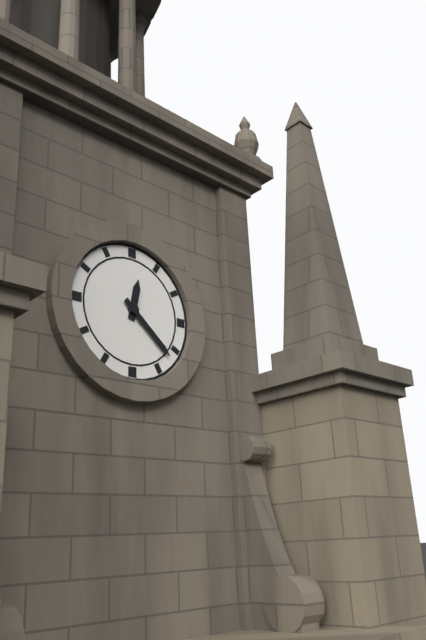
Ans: {"hour": 12, "minute": 22}
